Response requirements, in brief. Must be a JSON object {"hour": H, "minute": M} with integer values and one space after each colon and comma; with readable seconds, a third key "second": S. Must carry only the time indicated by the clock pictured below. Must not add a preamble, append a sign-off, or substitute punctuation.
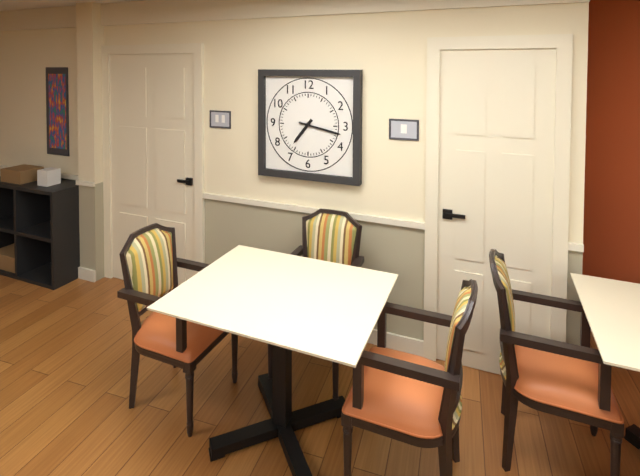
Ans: {"hour": 7, "minute": 17}
